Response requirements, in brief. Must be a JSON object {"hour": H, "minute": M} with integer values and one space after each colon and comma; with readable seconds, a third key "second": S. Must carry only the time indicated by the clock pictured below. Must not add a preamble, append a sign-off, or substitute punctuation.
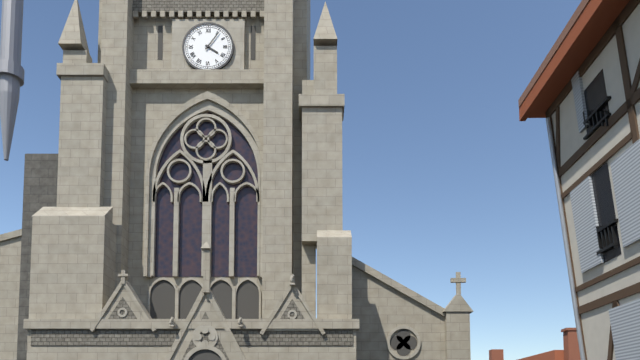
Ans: {"hour": 4, "minute": 6}
